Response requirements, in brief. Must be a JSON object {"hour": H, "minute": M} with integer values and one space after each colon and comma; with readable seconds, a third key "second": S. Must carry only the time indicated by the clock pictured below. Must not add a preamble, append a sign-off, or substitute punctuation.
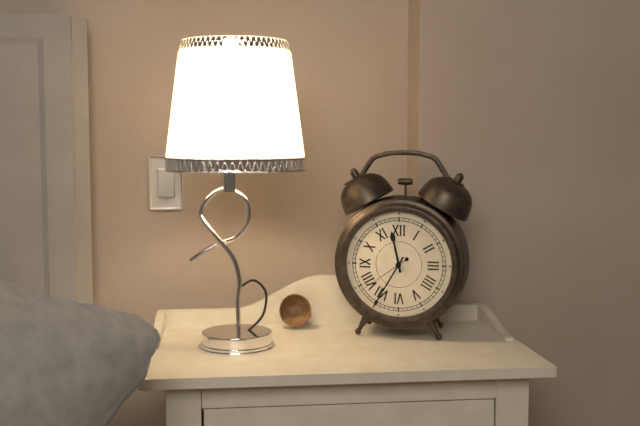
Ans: {"hour": 11, "minute": 35, "second": 39}
